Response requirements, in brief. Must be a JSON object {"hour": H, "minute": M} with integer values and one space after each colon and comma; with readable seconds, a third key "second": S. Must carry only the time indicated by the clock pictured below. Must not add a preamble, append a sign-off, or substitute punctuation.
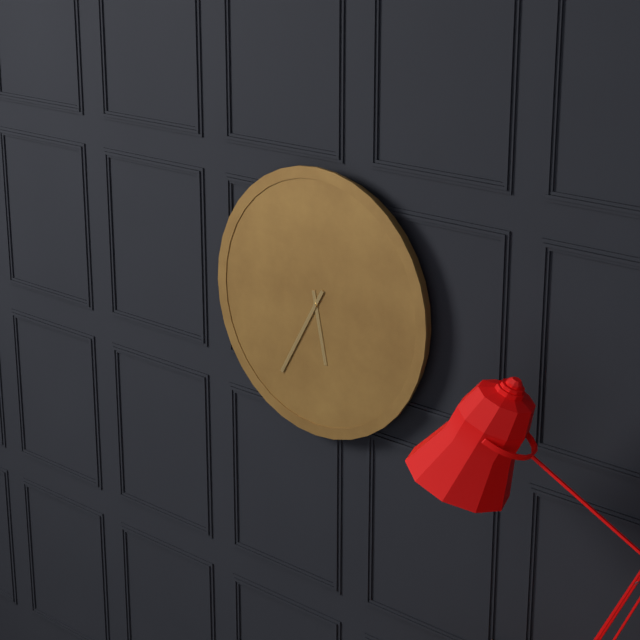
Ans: {"hour": 5, "minute": 35}
